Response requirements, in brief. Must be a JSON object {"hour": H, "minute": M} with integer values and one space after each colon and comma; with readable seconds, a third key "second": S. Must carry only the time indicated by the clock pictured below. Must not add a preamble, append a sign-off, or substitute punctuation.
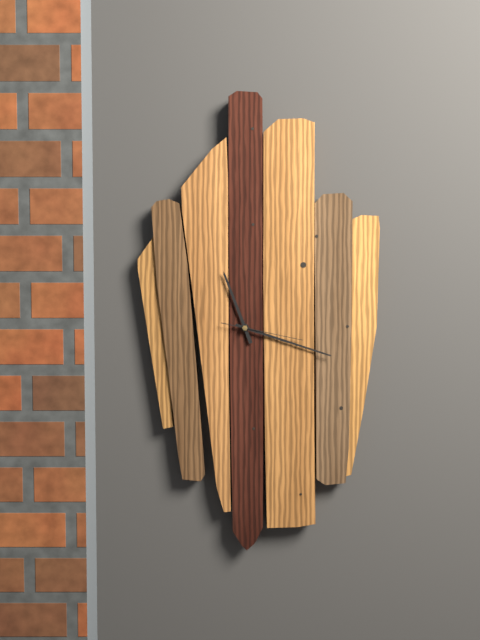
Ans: {"hour": 11, "minute": 18, "second": 17}
